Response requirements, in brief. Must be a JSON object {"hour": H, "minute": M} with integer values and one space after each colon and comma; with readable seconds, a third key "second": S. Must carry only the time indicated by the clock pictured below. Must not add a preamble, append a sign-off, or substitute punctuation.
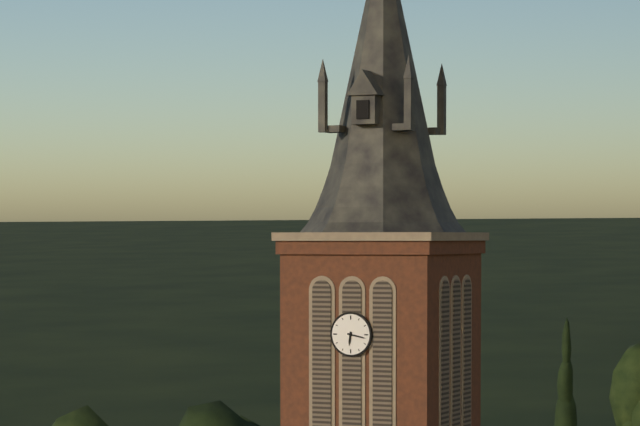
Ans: {"hour": 6, "minute": 17}
